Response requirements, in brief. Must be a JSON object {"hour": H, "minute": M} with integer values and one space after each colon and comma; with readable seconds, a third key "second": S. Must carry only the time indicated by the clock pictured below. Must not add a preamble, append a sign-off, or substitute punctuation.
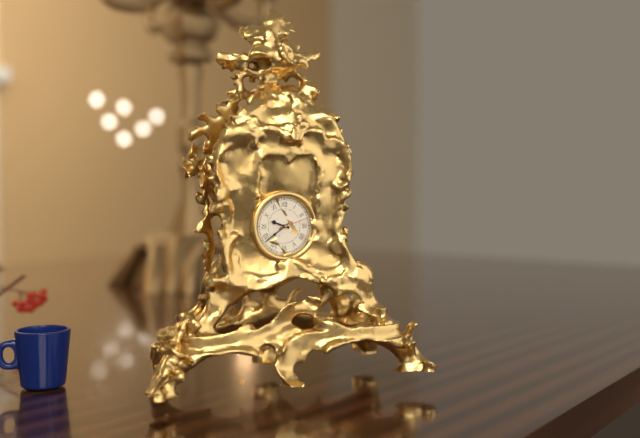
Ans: {"hour": 9, "minute": 39}
